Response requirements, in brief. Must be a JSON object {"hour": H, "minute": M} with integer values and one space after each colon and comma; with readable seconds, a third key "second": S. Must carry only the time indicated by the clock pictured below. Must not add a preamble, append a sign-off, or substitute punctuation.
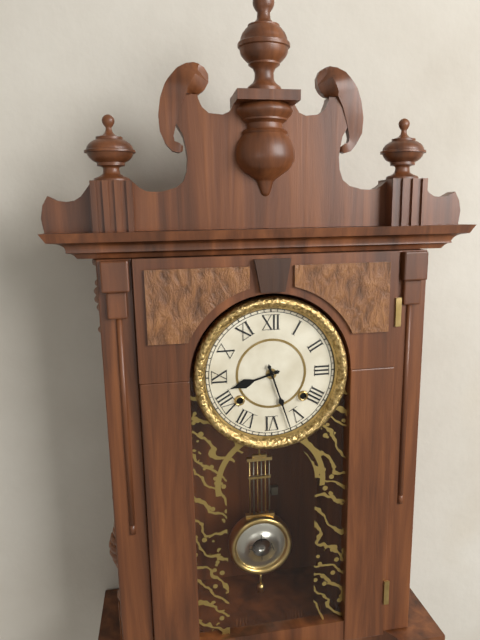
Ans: {"hour": 8, "minute": 27}
